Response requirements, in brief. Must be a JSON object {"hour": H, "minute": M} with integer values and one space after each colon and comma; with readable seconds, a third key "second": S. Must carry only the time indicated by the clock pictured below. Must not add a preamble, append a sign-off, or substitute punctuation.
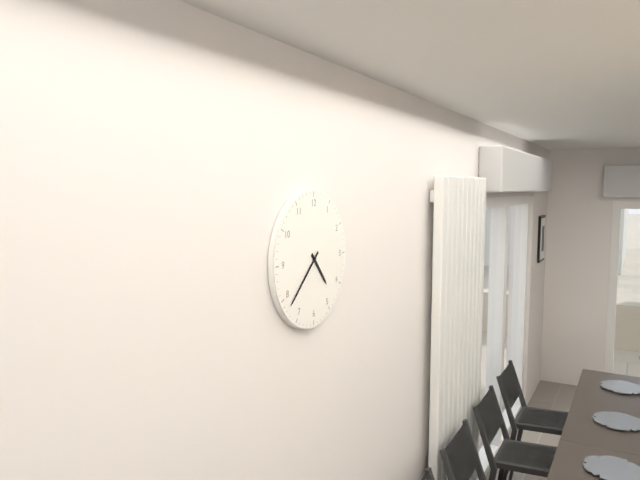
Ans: {"hour": 4, "minute": 38}
